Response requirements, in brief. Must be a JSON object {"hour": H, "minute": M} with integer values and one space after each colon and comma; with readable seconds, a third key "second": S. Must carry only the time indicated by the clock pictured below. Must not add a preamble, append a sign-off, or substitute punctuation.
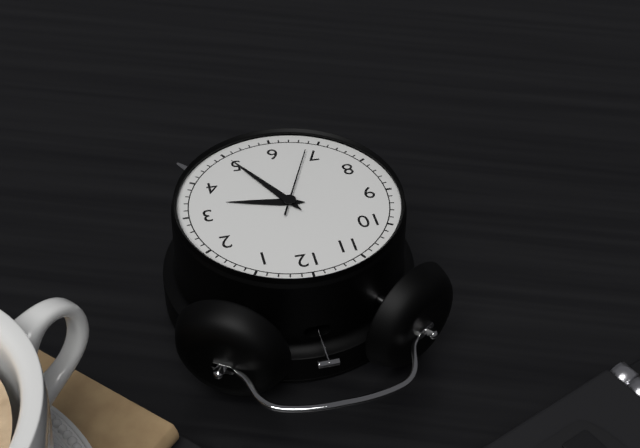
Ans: {"hour": 3, "minute": 25, "second": 34}
